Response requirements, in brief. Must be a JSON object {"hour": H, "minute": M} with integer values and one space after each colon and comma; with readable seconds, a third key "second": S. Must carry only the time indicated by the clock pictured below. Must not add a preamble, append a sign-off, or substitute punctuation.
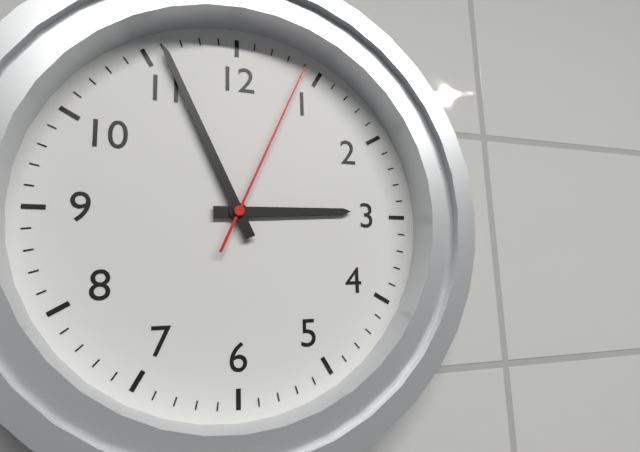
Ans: {"hour": 2, "minute": 56, "second": 4}
